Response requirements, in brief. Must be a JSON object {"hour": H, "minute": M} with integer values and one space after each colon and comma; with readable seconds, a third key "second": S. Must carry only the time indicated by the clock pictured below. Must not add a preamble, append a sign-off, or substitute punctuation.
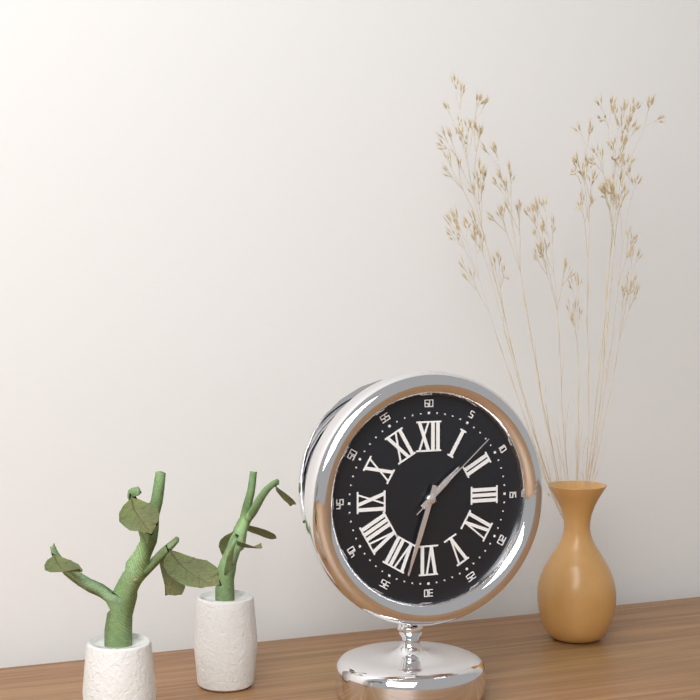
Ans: {"hour": 1, "minute": 33, "second": 8}
